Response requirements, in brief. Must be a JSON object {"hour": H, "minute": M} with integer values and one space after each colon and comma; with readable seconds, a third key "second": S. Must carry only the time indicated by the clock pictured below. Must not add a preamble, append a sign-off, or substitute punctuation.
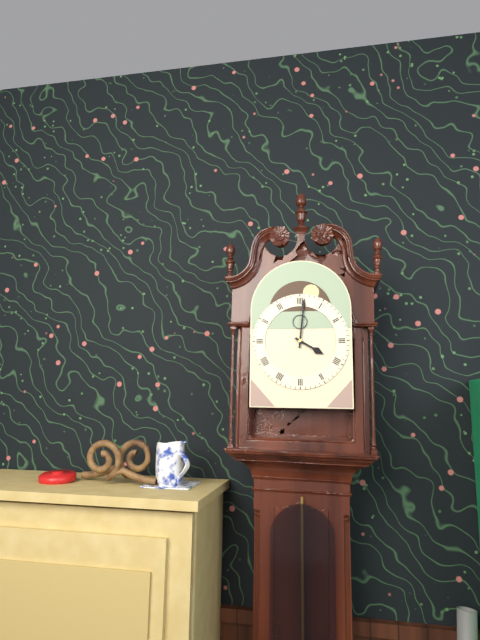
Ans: {"hour": 4, "minute": 1}
